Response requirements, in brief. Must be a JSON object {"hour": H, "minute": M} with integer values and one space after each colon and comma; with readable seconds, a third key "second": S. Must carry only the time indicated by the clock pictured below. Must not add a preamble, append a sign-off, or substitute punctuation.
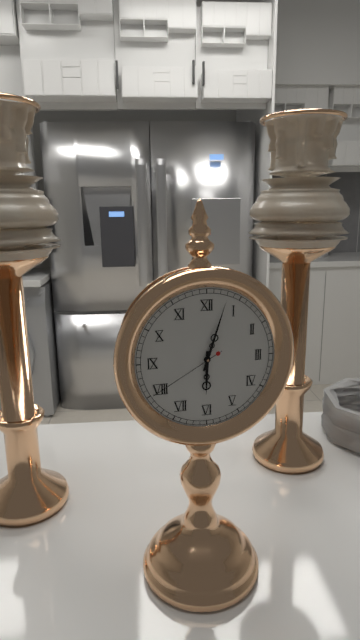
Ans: {"hour": 6, "minute": 3, "second": 40}
